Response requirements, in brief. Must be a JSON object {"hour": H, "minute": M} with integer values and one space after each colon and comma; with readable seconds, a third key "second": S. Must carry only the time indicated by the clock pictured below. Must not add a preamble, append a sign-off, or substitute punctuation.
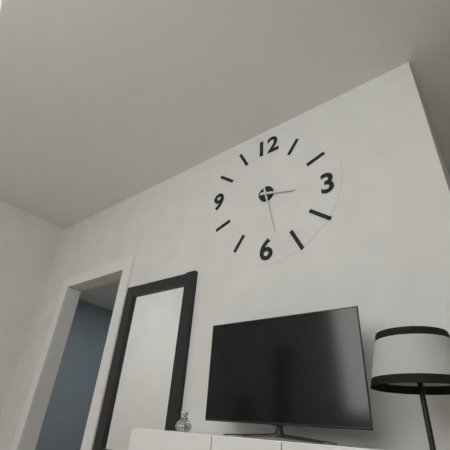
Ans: {"hour": 3, "minute": 28}
